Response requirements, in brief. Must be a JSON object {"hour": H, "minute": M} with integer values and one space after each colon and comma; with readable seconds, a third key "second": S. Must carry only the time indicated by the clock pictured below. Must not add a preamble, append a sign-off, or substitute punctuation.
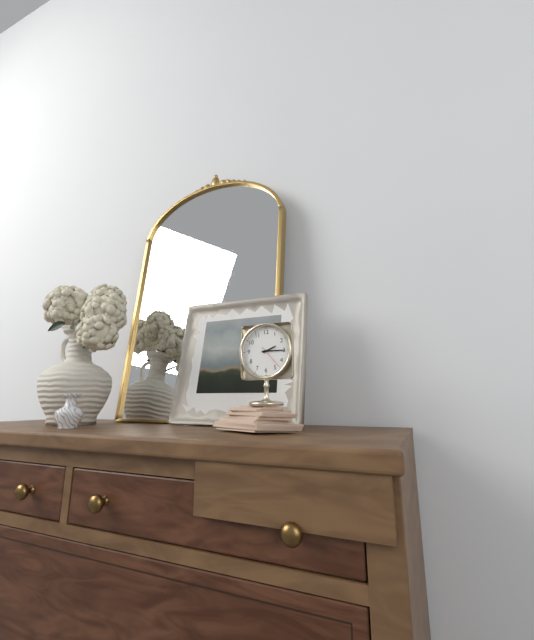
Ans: {"hour": 2, "minute": 15}
